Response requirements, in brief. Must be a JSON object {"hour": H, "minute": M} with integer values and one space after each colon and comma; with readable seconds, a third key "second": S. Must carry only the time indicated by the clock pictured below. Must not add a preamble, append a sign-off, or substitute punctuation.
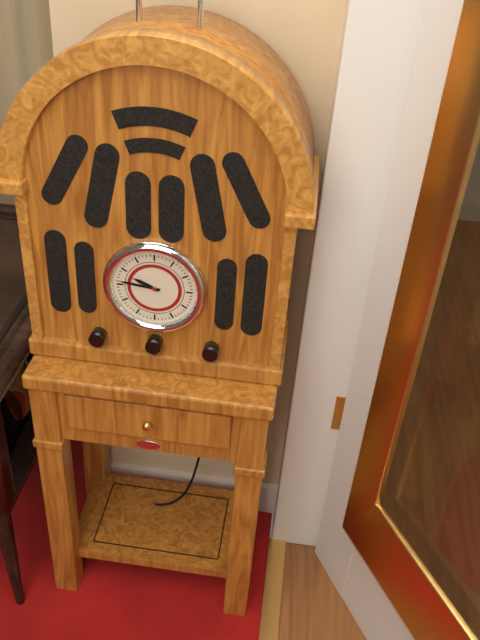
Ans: {"hour": 9, "minute": 46}
